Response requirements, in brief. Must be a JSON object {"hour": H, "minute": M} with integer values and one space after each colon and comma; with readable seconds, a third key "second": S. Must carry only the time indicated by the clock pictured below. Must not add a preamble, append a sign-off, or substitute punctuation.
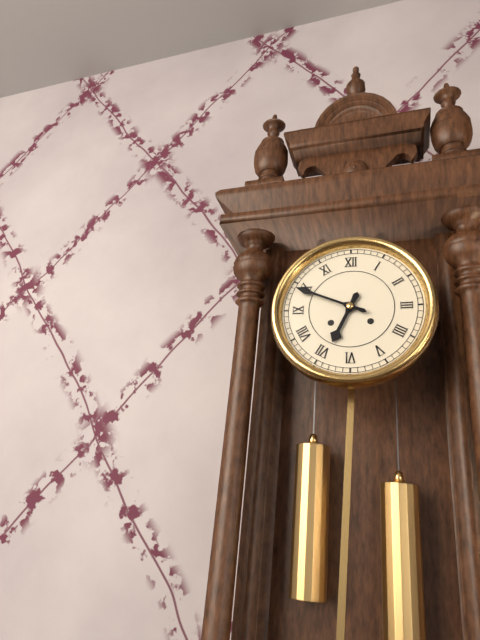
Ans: {"hour": 6, "minute": 49}
